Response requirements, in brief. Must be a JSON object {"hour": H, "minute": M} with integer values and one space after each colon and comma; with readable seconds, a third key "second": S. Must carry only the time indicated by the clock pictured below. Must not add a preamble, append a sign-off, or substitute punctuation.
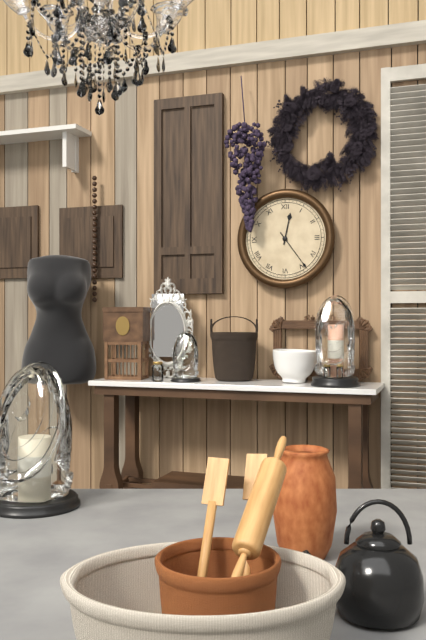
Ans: {"hour": 12, "minute": 24}
